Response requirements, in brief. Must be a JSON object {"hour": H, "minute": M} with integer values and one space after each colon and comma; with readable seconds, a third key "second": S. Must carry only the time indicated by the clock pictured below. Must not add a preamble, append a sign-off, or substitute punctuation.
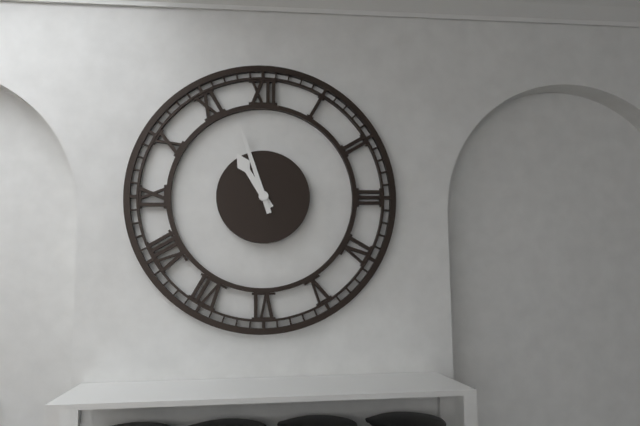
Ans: {"hour": 10, "minute": 57}
